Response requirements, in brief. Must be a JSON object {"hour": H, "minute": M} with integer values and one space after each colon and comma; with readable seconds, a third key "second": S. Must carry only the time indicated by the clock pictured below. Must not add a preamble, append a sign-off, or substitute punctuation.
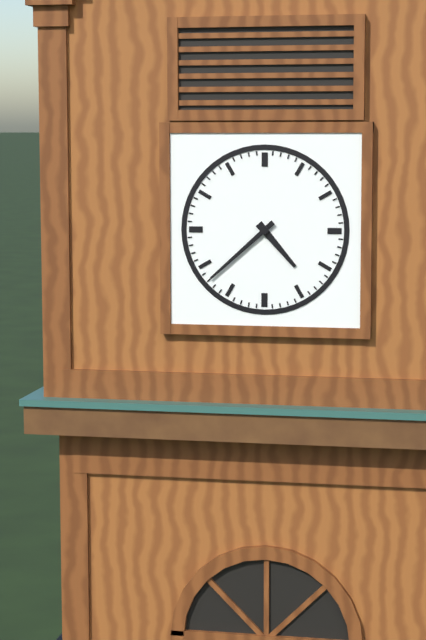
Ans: {"hour": 4, "minute": 38}
